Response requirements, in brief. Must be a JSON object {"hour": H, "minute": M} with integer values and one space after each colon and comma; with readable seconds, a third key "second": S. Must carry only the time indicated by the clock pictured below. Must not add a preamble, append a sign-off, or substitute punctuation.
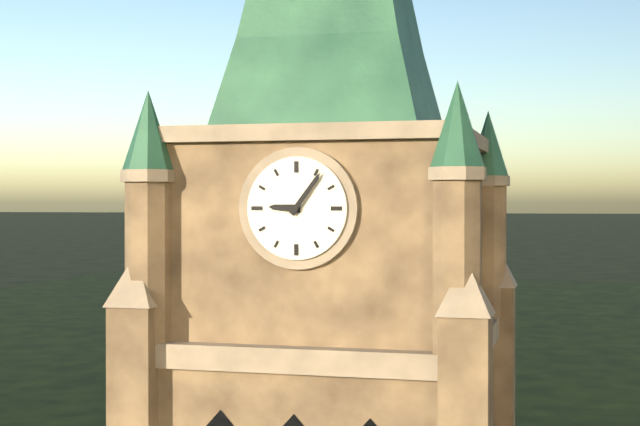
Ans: {"hour": 9, "minute": 6}
